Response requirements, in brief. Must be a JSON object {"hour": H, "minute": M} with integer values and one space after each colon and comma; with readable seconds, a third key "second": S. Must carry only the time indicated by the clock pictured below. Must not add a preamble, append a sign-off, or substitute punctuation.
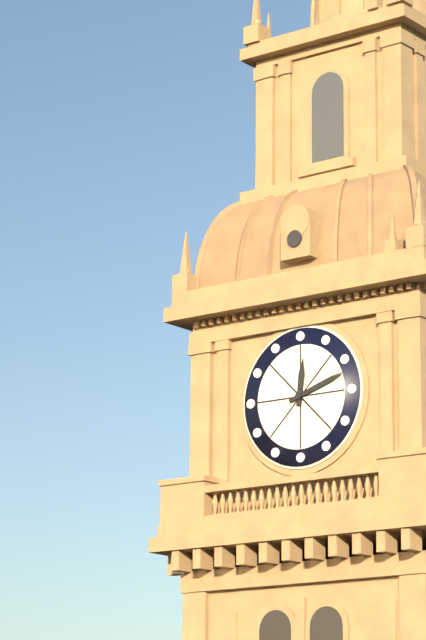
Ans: {"hour": 12, "minute": 12}
